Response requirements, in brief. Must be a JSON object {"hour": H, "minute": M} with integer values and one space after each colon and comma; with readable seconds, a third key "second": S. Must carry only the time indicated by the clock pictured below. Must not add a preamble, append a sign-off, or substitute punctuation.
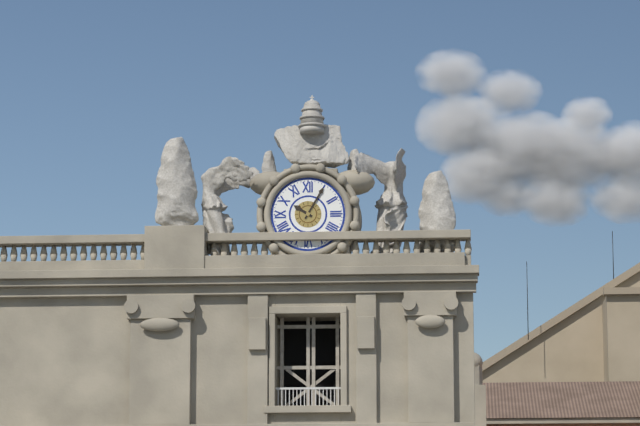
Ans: {"hour": 10, "minute": 5}
